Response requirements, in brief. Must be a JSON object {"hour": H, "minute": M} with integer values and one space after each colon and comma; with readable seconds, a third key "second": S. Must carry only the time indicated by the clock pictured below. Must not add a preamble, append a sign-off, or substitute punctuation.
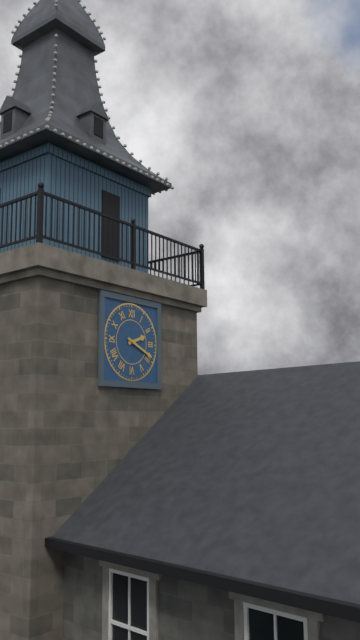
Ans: {"hour": 2, "minute": 19}
